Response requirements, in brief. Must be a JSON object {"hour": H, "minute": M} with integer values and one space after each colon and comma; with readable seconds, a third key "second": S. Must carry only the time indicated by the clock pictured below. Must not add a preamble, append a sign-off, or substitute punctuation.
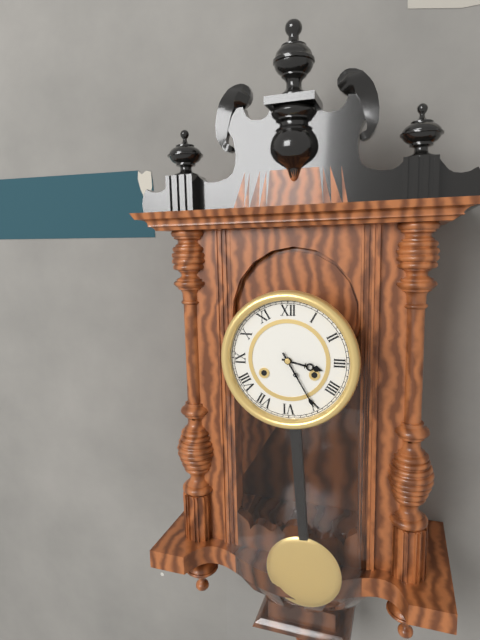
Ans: {"hour": 3, "minute": 25}
